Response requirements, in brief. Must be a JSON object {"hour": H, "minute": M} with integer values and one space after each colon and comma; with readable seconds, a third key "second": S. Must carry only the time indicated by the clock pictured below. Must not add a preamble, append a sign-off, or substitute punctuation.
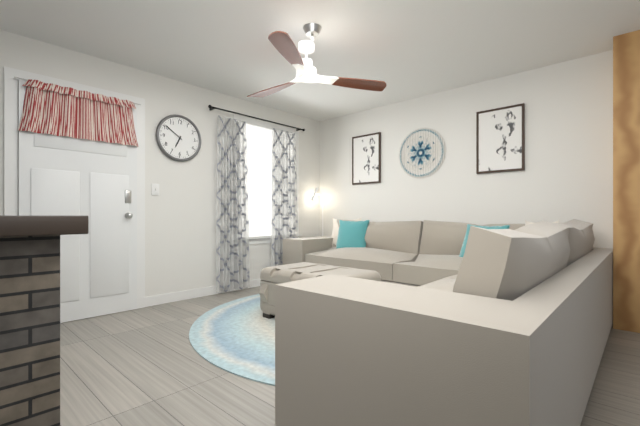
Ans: {"hour": 6, "minute": 51}
